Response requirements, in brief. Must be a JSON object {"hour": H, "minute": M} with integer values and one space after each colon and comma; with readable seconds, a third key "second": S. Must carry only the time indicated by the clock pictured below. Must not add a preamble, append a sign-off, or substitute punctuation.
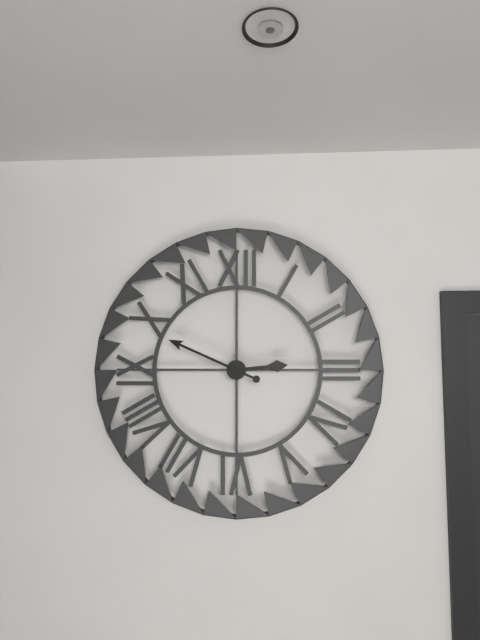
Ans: {"hour": 2, "minute": 49}
